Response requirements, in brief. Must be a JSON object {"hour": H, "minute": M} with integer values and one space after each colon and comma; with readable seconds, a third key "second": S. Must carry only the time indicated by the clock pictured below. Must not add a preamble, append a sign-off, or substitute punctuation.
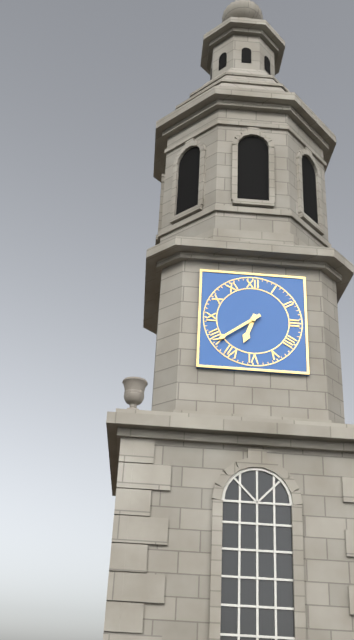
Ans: {"hour": 6, "minute": 39}
